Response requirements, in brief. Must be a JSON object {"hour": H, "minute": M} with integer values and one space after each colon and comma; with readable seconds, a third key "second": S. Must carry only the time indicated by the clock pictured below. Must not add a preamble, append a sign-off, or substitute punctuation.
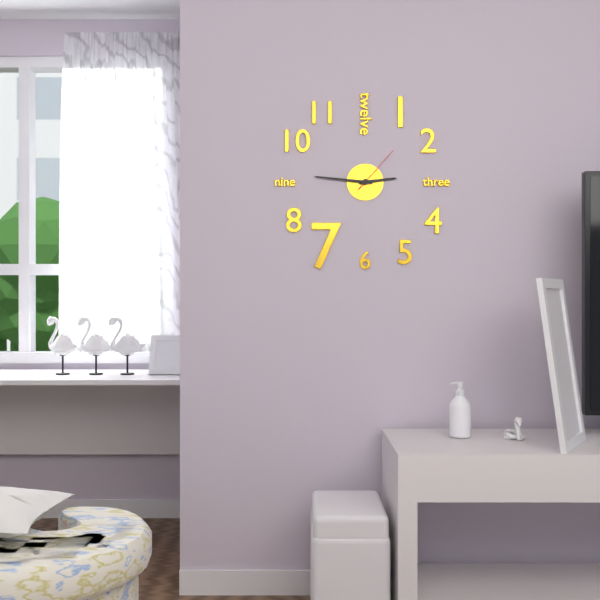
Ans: {"hour": 2, "minute": 46, "second": 7}
